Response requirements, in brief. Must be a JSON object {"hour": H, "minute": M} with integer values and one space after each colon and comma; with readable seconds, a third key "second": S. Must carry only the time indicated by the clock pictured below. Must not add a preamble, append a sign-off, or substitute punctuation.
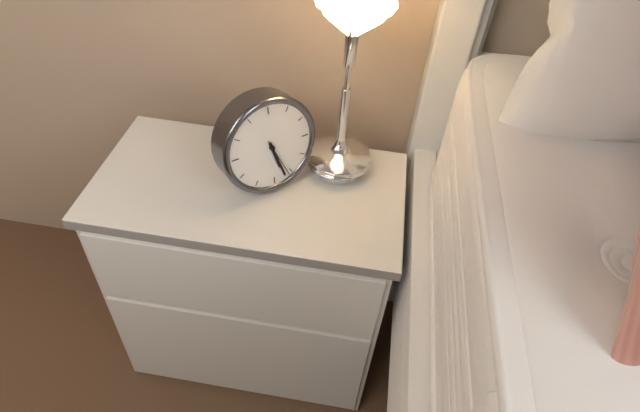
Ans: {"hour": 5, "minute": 27}
